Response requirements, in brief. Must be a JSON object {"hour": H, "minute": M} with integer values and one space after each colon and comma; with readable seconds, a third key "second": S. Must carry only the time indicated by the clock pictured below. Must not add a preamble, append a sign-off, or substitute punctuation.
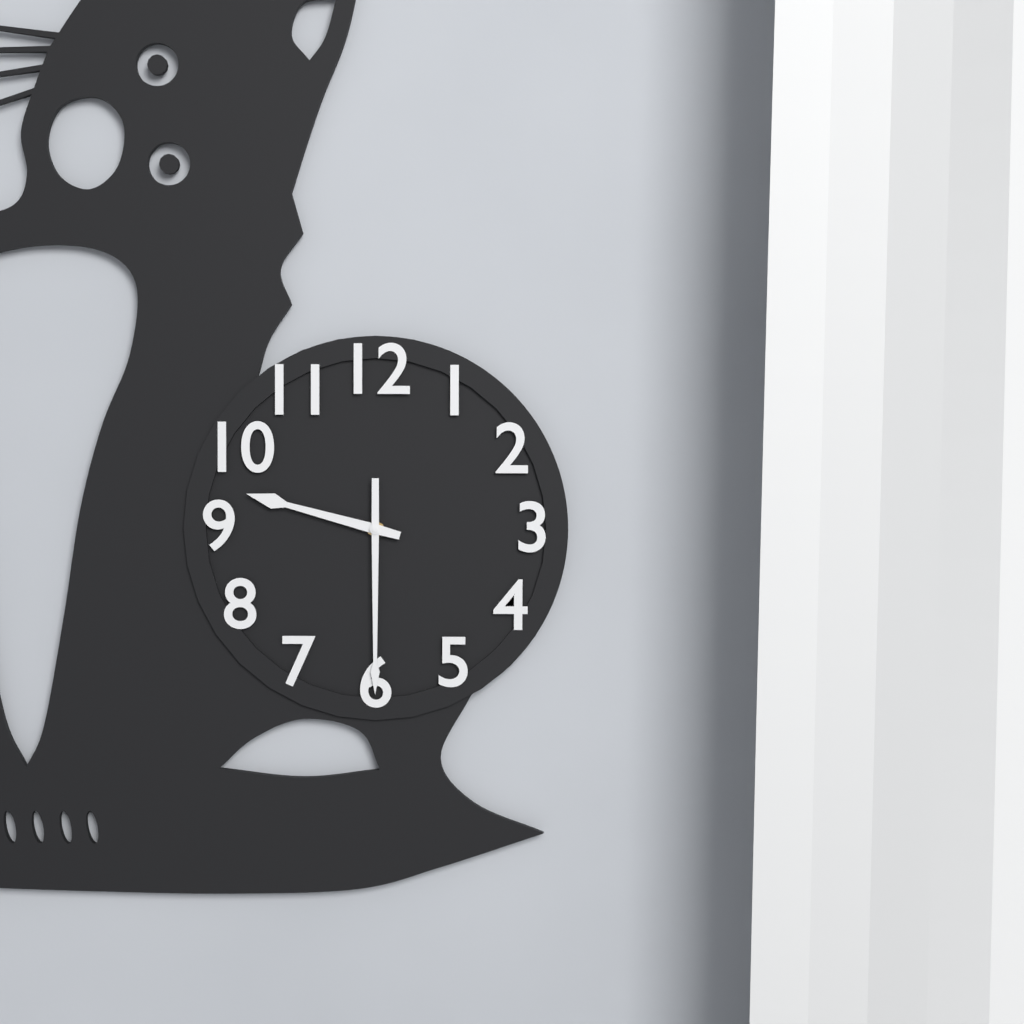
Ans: {"hour": 9, "minute": 30}
